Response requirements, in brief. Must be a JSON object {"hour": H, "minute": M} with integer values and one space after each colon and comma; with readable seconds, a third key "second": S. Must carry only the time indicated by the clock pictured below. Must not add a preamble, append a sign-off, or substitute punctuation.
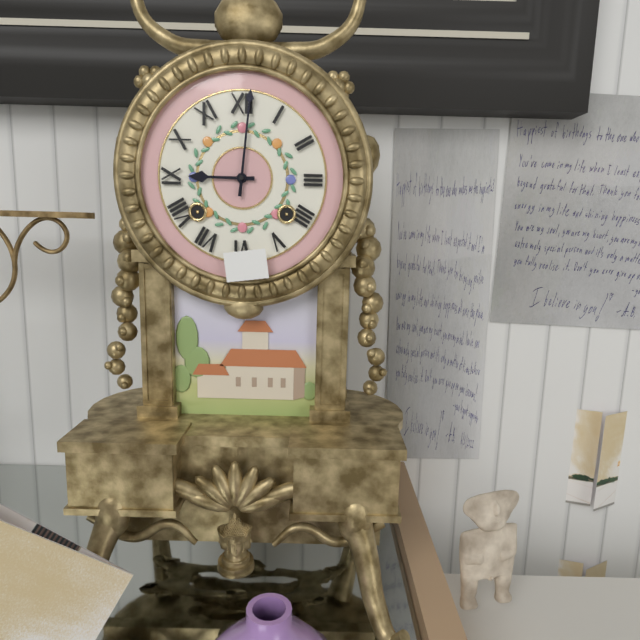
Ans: {"hour": 9, "minute": 1}
